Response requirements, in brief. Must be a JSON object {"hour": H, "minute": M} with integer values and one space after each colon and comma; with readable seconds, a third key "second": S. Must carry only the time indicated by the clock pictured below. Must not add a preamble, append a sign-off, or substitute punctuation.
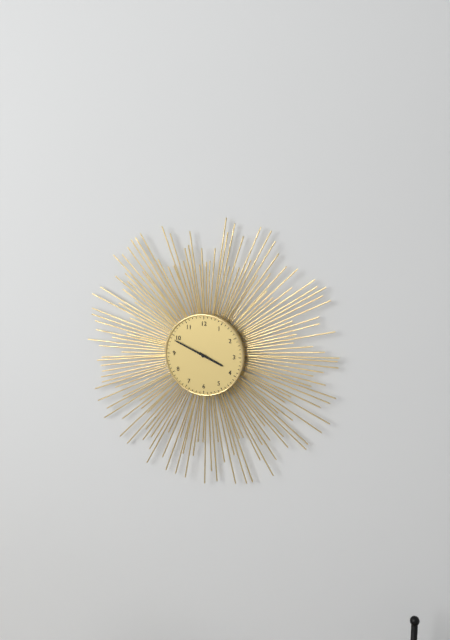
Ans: {"hour": 3, "minute": 49}
